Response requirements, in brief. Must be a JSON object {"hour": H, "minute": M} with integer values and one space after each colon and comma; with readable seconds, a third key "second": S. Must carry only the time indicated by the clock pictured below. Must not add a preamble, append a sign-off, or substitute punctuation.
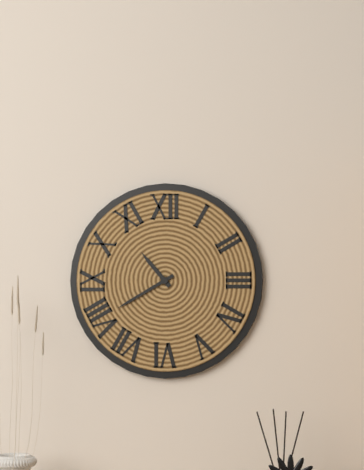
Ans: {"hour": 10, "minute": 40}
